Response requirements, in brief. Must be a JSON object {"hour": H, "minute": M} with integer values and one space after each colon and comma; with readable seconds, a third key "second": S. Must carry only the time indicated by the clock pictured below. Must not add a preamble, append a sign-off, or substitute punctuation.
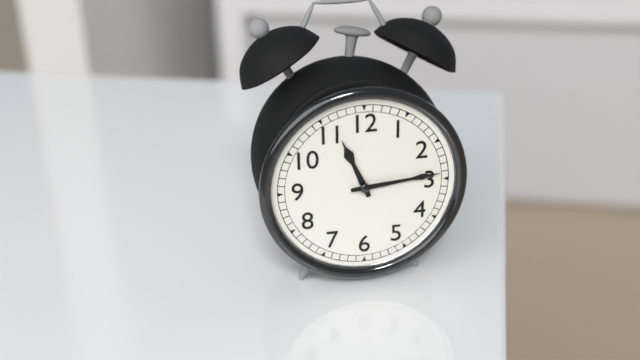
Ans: {"hour": 11, "minute": 14}
